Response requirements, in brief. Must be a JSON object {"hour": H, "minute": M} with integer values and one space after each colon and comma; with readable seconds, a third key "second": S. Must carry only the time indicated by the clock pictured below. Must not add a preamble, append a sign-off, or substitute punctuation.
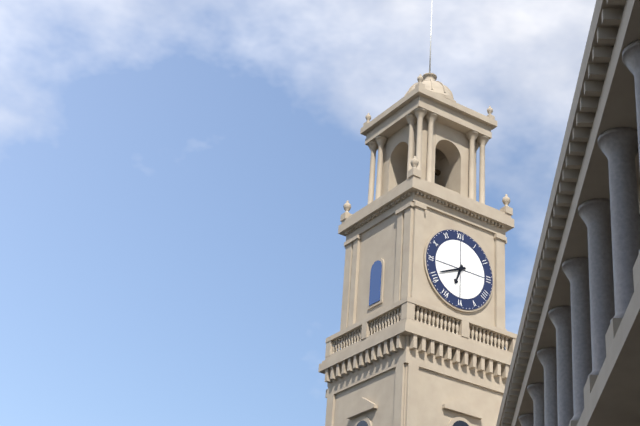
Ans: {"hour": 6, "minute": 41}
